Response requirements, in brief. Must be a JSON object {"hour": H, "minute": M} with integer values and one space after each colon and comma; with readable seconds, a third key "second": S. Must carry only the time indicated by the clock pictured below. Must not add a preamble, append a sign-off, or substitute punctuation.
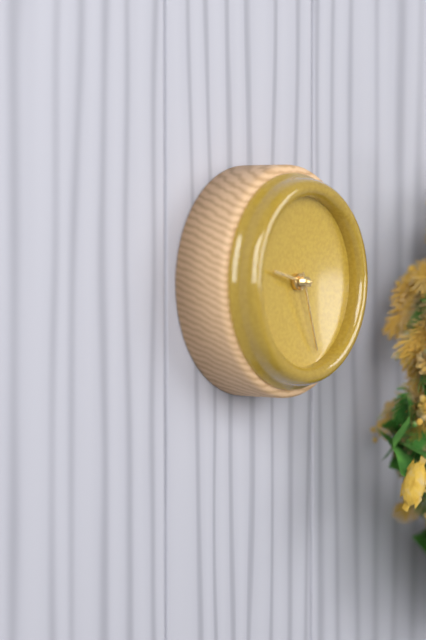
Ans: {"hour": 9, "minute": 27}
